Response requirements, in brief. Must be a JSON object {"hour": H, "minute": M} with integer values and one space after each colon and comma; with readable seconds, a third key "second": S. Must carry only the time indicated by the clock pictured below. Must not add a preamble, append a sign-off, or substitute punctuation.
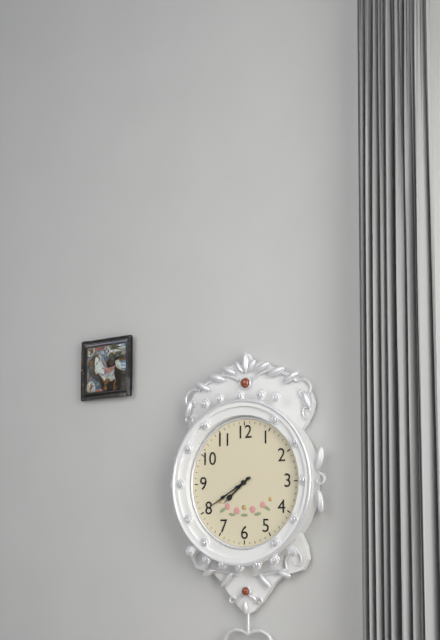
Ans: {"hour": 7, "minute": 40}
